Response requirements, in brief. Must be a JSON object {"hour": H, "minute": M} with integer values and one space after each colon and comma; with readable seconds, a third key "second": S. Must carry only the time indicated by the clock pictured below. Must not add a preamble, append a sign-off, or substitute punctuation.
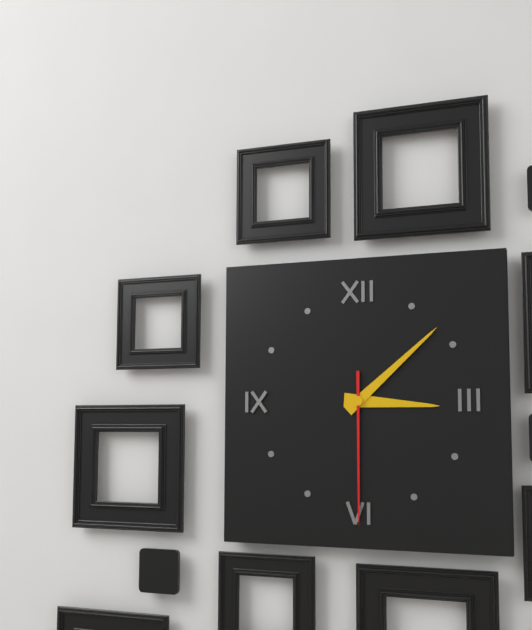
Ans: {"hour": 3, "minute": 8, "second": 30}
